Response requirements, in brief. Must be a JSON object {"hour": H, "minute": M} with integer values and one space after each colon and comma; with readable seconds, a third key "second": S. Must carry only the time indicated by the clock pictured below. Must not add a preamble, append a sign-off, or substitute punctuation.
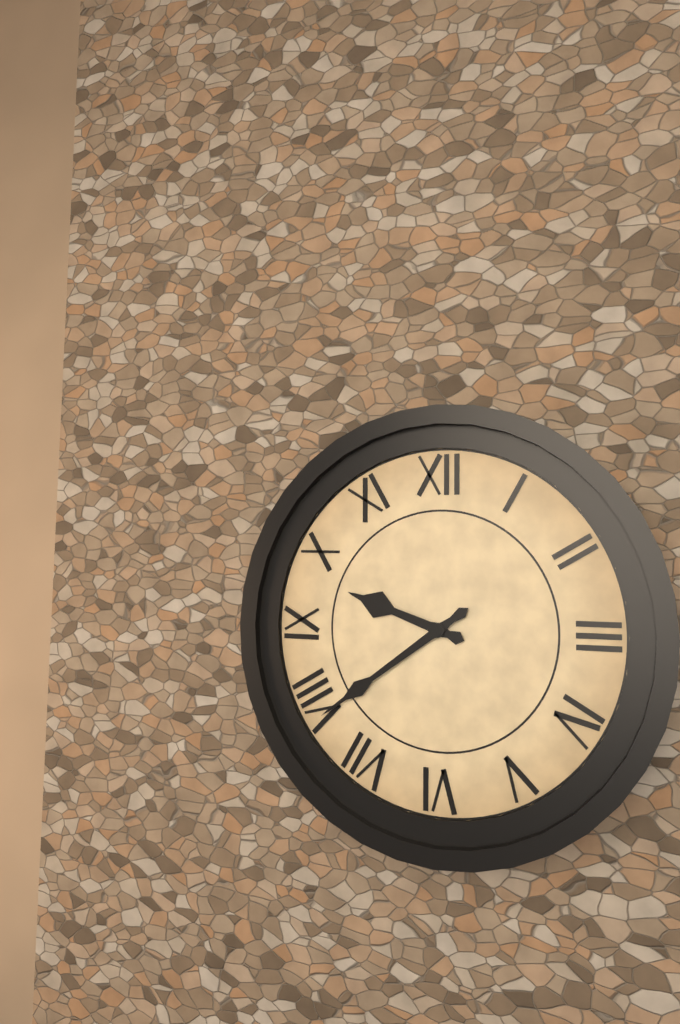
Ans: {"hour": 9, "minute": 39}
